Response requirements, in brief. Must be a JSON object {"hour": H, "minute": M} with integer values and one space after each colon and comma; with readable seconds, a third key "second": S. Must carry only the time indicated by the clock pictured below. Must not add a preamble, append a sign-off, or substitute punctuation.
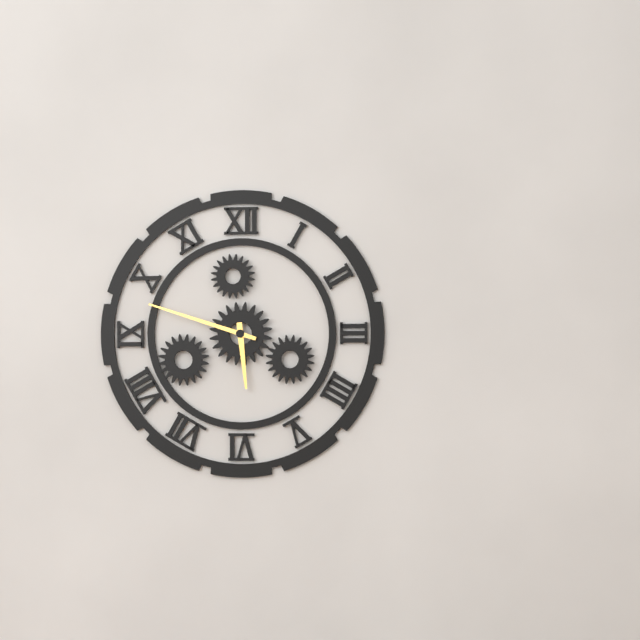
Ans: {"hour": 5, "minute": 48}
